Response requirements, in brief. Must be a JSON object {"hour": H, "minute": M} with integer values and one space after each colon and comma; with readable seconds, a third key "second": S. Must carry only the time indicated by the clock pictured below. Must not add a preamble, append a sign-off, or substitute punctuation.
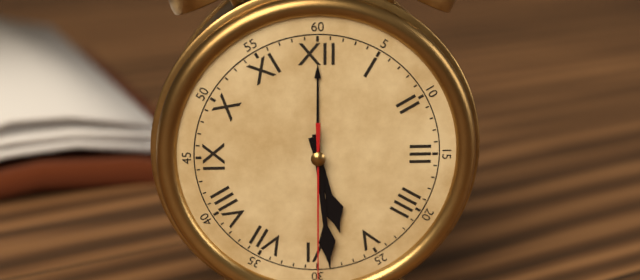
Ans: {"hour": 5, "minute": 29}
